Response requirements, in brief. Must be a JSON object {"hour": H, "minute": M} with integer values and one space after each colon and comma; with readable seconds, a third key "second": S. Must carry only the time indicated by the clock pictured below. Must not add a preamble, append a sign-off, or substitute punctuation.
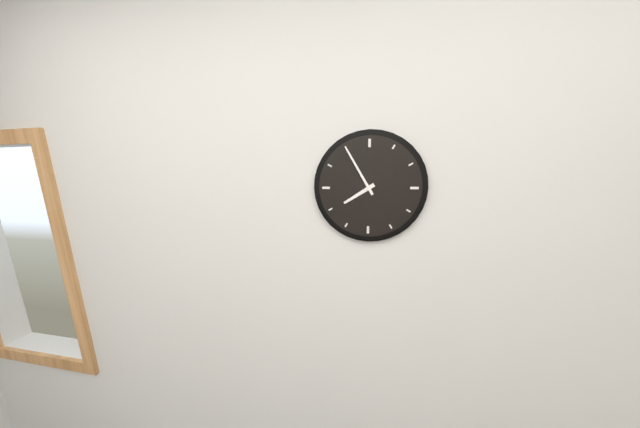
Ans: {"hour": 7, "minute": 55}
